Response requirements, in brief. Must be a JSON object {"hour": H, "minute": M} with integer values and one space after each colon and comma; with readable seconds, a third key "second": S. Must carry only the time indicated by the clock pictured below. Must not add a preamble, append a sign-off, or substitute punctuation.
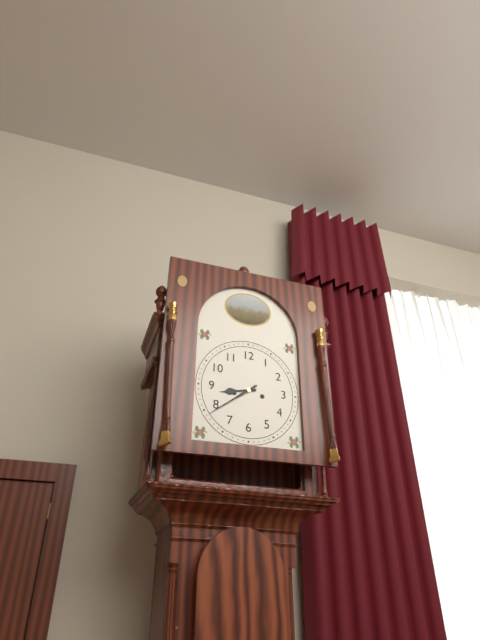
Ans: {"hour": 8, "minute": 39}
